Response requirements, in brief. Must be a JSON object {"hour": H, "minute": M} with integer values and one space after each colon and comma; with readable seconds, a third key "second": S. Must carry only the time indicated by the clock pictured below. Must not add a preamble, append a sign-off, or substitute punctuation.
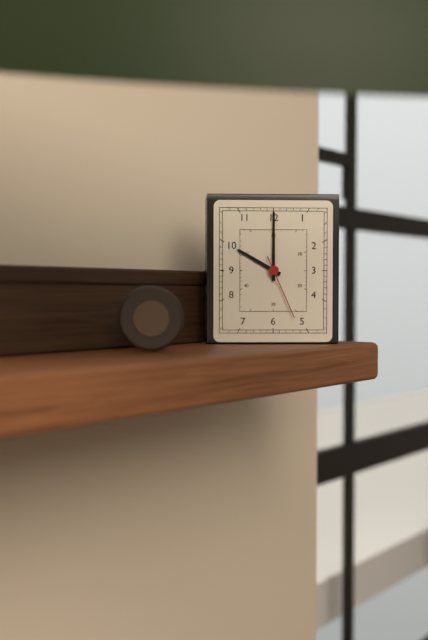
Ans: {"hour": 10, "minute": 0, "second": 26}
